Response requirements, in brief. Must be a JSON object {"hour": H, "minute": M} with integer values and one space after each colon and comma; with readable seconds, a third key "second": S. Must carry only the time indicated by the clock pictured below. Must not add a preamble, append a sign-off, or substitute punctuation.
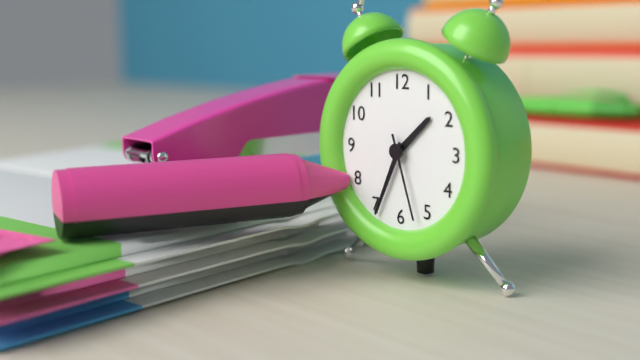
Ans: {"hour": 1, "minute": 34, "second": 27}
